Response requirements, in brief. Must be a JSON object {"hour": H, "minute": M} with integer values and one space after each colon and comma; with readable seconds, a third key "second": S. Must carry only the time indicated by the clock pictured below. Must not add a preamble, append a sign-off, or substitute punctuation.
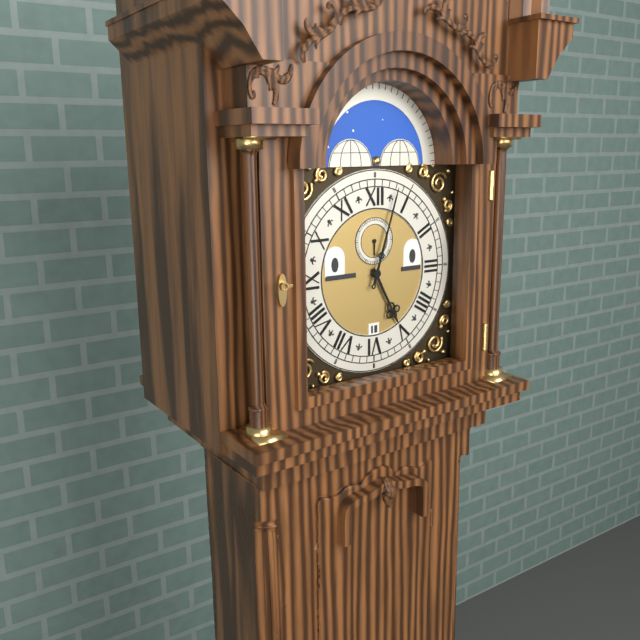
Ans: {"hour": 5, "minute": 3}
